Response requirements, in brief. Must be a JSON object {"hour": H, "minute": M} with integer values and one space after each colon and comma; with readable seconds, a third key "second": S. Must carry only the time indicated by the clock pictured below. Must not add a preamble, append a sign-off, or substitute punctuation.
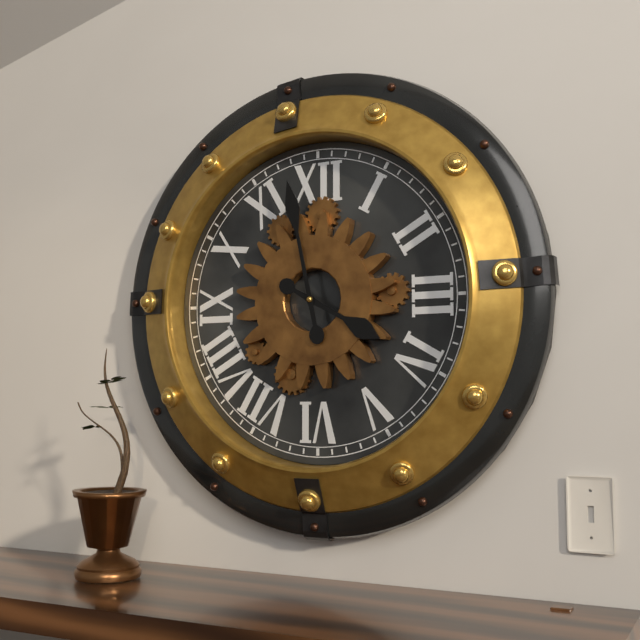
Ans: {"hour": 3, "minute": 58}
